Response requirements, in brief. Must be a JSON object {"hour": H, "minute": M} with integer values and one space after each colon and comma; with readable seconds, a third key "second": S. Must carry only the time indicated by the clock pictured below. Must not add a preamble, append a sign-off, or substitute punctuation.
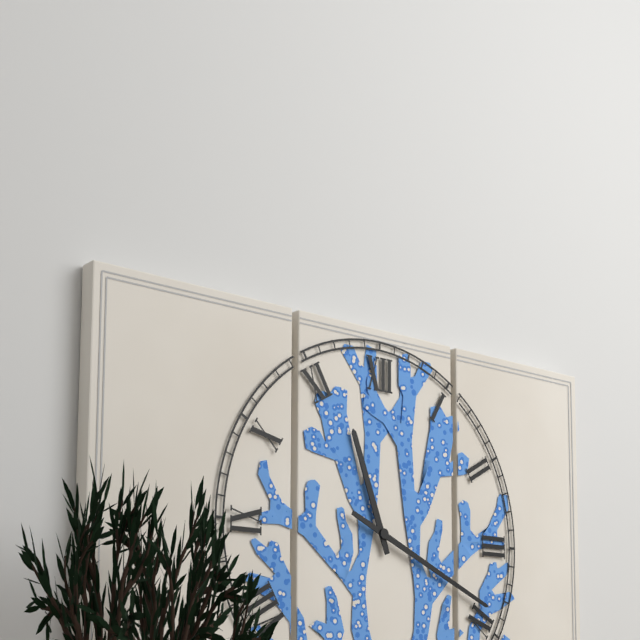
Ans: {"hour": 11, "minute": 19}
